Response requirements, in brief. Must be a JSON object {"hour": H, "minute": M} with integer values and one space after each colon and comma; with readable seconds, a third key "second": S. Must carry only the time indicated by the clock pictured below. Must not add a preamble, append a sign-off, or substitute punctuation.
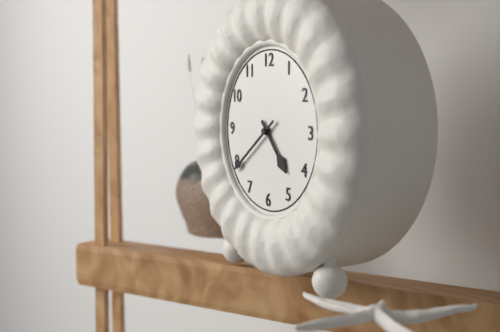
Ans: {"hour": 4, "minute": 39}
